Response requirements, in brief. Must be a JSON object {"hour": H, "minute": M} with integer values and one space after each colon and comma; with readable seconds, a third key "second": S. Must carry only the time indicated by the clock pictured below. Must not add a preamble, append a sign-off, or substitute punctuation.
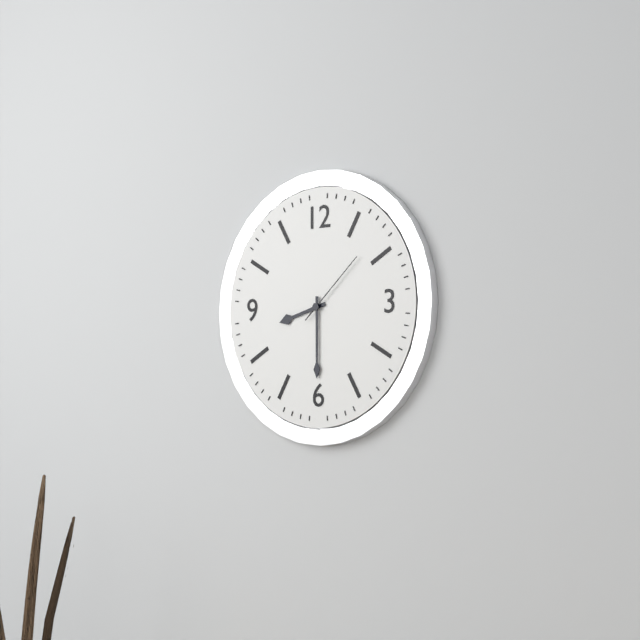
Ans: {"hour": 8, "minute": 30, "second": 8}
